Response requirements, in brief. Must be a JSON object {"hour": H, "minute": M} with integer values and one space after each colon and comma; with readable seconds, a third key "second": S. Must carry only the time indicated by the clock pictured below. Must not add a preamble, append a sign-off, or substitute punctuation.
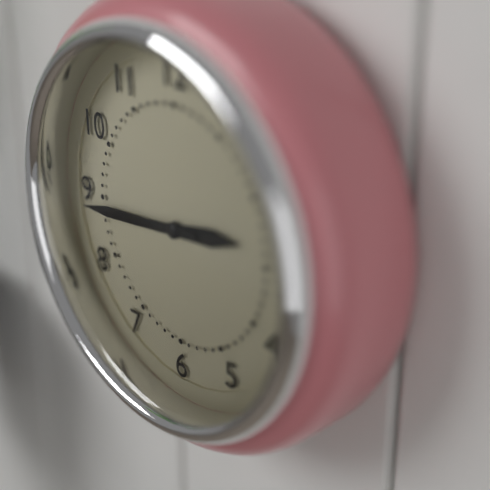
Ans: {"hour": 2, "minute": 44}
